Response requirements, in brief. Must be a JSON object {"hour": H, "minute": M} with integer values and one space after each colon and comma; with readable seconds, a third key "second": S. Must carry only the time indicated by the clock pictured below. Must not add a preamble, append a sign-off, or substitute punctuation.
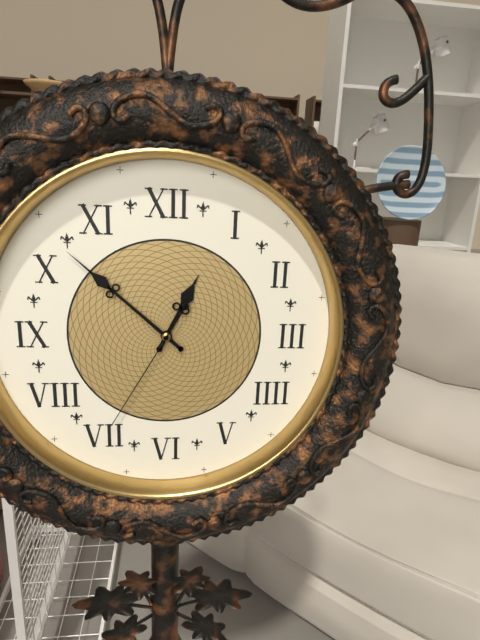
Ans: {"hour": 12, "minute": 52, "second": 35}
